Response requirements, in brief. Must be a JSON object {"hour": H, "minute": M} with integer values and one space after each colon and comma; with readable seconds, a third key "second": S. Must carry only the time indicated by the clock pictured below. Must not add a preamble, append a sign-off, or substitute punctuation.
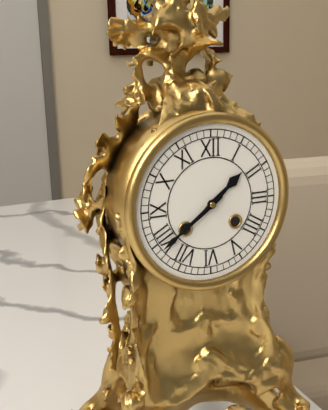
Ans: {"hour": 1, "minute": 39}
